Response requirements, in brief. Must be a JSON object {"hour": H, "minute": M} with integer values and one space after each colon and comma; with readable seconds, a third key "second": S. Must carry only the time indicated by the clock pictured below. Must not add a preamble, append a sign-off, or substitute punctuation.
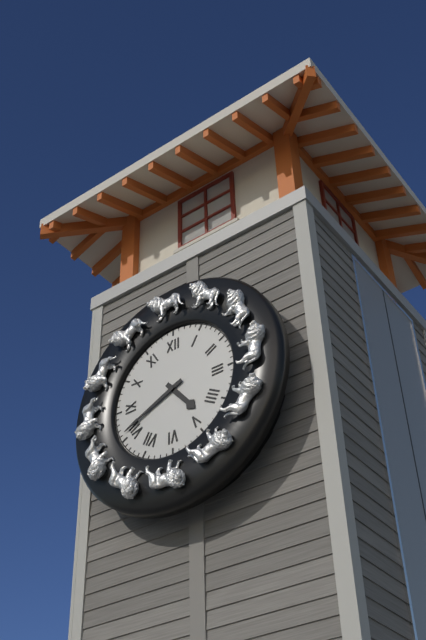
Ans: {"hour": 4, "minute": 41}
